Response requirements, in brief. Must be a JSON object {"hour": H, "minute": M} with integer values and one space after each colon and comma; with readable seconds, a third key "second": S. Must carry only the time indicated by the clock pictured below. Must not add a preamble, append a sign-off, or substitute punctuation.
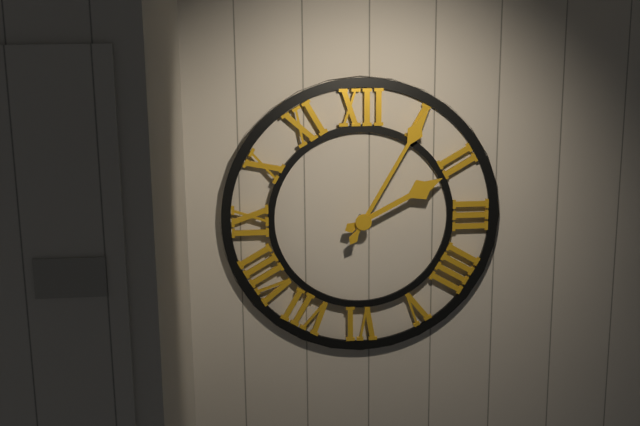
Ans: {"hour": 2, "minute": 5}
